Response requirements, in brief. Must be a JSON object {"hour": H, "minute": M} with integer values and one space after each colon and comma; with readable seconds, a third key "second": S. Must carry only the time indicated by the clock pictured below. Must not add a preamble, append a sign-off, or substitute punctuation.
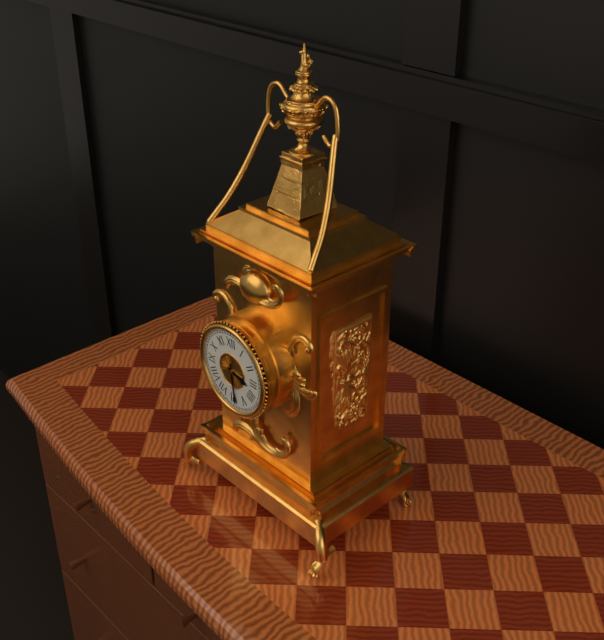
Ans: {"hour": 3, "minute": 29}
